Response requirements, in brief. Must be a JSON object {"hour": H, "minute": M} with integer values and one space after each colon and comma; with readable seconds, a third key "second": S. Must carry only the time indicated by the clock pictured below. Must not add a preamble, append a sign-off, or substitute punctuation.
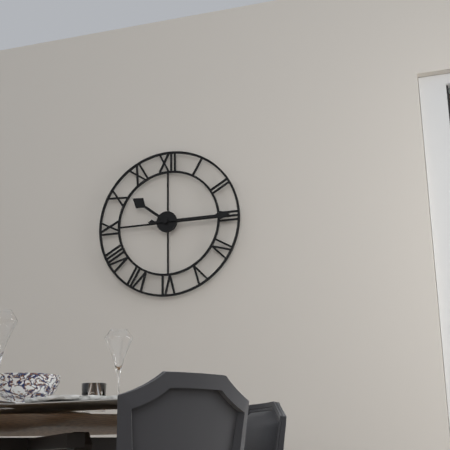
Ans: {"hour": 10, "minute": 15}
